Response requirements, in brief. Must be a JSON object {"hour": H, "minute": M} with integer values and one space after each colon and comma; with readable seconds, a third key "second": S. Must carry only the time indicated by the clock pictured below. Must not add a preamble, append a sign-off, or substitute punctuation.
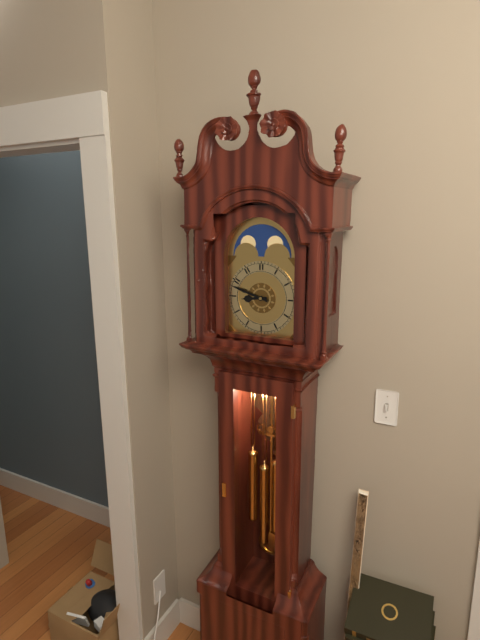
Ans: {"hour": 8, "minute": 48}
